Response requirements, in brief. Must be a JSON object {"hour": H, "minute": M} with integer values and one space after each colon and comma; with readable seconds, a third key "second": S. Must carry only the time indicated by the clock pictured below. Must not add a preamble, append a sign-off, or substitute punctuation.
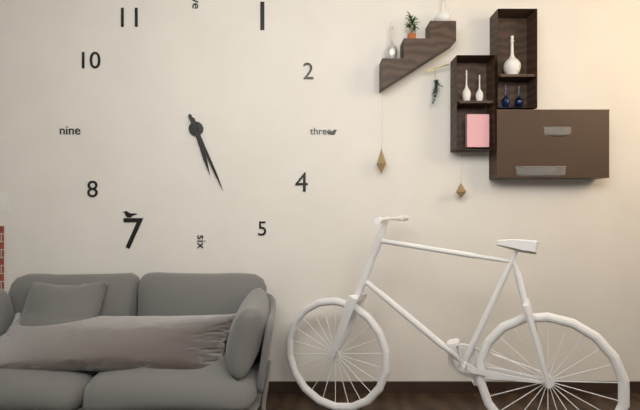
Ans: {"hour": 5, "minute": 26}
